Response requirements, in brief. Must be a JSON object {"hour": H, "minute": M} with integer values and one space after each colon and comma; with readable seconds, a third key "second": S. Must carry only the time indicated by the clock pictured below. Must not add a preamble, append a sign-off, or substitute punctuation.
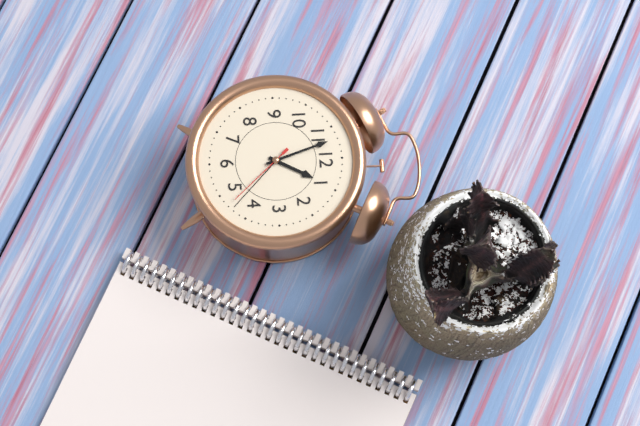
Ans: {"hour": 12, "minute": 57, "second": 23}
